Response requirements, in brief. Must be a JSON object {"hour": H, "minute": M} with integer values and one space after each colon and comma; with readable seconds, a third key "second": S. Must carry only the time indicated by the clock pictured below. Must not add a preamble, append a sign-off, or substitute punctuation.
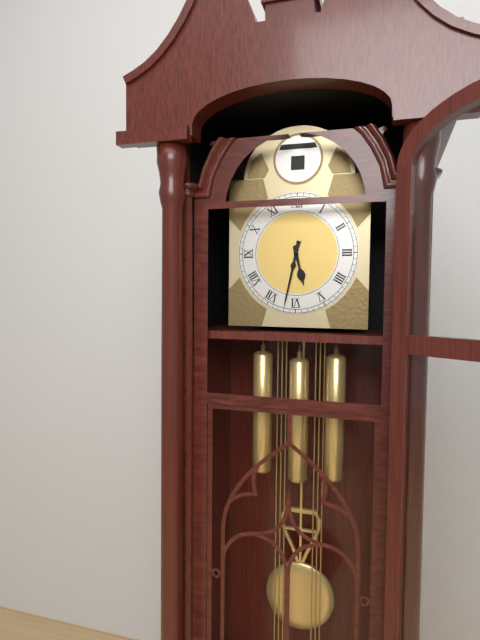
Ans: {"hour": 5, "minute": 32}
